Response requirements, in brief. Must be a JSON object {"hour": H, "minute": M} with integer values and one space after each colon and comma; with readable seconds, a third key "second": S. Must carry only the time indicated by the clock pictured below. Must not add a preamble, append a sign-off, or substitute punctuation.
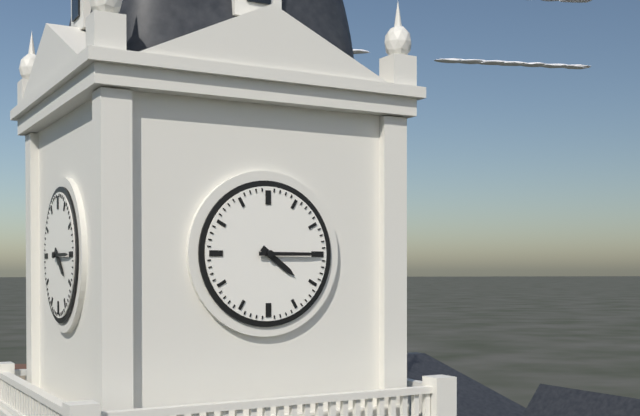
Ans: {"hour": 4, "minute": 15}
